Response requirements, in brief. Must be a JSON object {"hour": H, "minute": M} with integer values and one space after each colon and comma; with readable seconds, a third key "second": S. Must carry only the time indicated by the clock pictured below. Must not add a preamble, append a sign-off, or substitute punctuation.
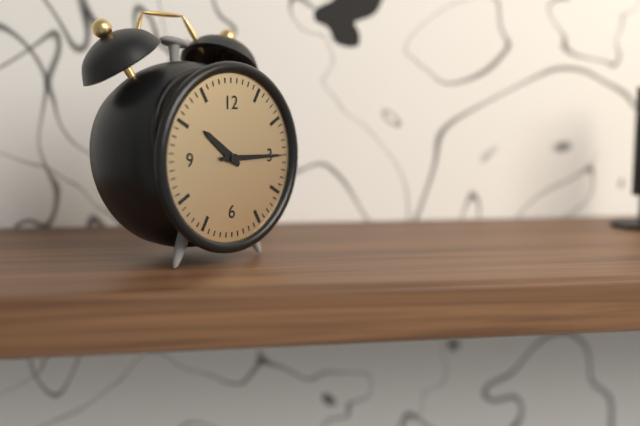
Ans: {"hour": 10, "minute": 15}
